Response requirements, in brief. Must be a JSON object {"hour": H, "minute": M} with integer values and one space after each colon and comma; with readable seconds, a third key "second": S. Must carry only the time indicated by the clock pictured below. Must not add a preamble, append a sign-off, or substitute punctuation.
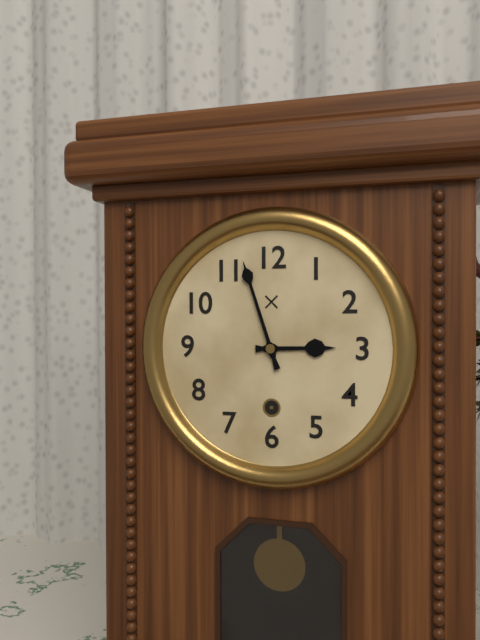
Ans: {"hour": 2, "minute": 57}
